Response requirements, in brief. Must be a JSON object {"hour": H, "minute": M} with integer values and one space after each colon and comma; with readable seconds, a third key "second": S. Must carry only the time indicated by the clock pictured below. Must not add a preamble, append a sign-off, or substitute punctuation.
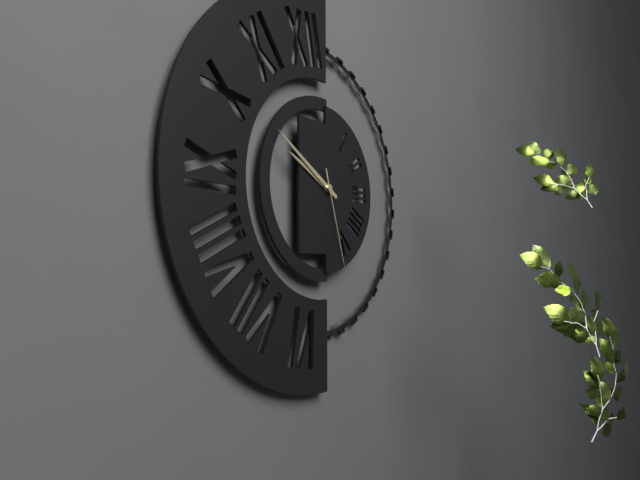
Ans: {"hour": 9, "minute": 50, "second": 27}
